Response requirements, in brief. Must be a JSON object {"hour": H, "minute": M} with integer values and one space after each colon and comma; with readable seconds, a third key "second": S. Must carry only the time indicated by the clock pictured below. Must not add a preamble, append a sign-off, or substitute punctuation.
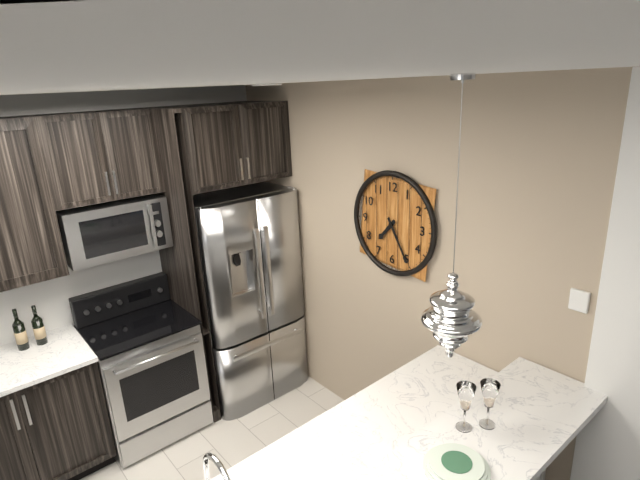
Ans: {"hour": 7, "minute": 25}
